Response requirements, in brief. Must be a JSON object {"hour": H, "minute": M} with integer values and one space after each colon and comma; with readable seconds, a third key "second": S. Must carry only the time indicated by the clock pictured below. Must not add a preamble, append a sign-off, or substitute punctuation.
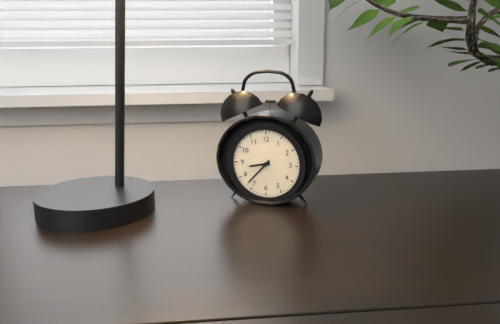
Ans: {"hour": 8, "minute": 37}
